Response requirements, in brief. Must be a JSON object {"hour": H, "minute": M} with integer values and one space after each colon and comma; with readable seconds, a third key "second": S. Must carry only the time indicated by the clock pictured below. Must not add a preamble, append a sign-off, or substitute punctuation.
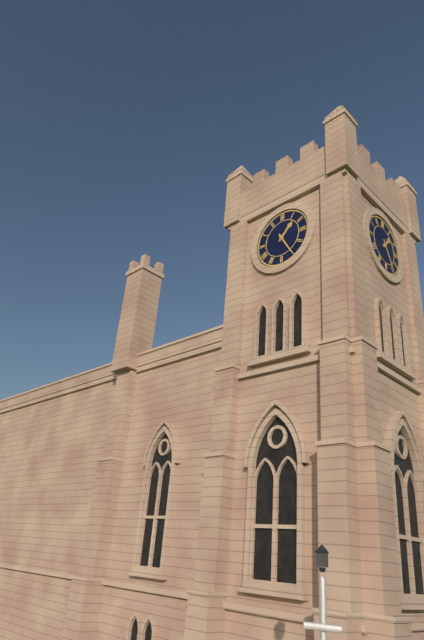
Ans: {"hour": 1, "minute": 25}
